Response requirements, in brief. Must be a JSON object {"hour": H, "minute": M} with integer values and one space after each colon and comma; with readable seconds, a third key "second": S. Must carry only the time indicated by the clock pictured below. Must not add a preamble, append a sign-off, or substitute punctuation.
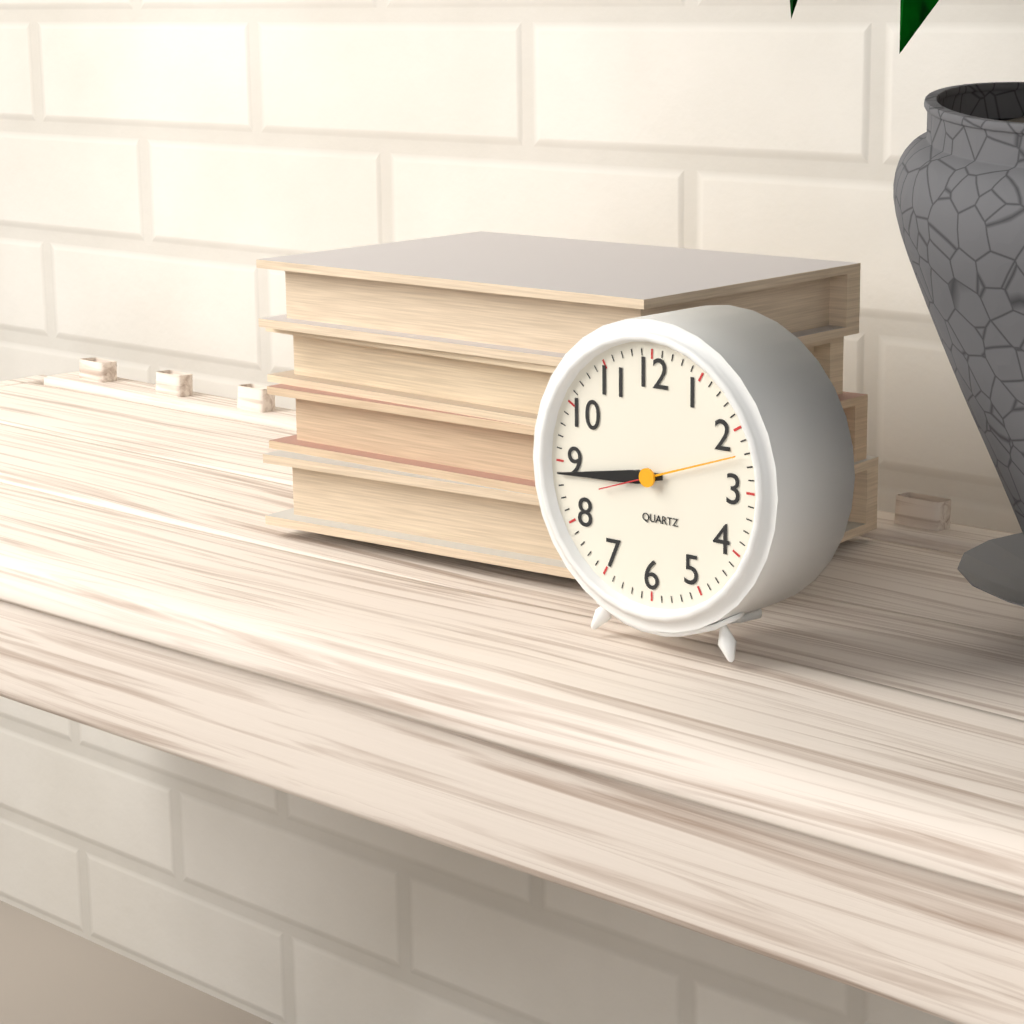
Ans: {"hour": 8, "minute": 44, "second": 12}
